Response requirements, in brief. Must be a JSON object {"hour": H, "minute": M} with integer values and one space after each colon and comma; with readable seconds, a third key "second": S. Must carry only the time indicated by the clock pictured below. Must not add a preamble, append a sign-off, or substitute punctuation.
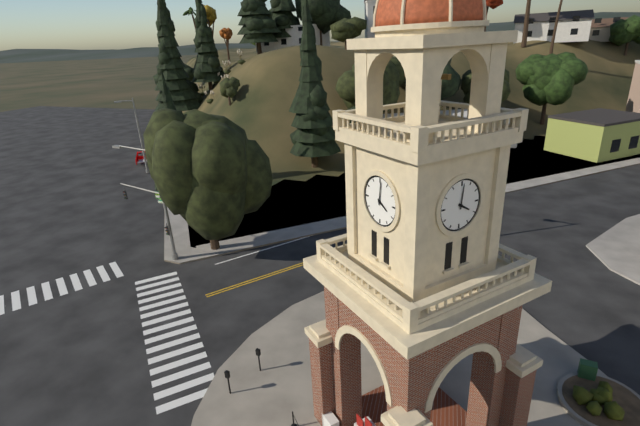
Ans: {"hour": 4, "minute": 1}
